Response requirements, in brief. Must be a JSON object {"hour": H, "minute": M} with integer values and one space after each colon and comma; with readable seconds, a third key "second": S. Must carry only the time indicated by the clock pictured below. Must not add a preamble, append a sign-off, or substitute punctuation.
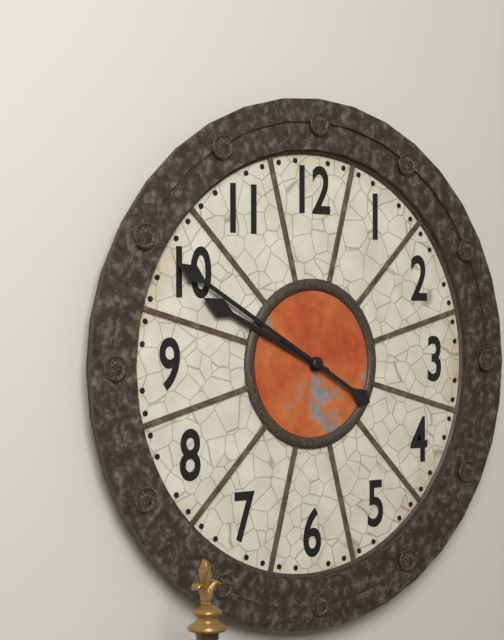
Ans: {"hour": 9, "minute": 50}
